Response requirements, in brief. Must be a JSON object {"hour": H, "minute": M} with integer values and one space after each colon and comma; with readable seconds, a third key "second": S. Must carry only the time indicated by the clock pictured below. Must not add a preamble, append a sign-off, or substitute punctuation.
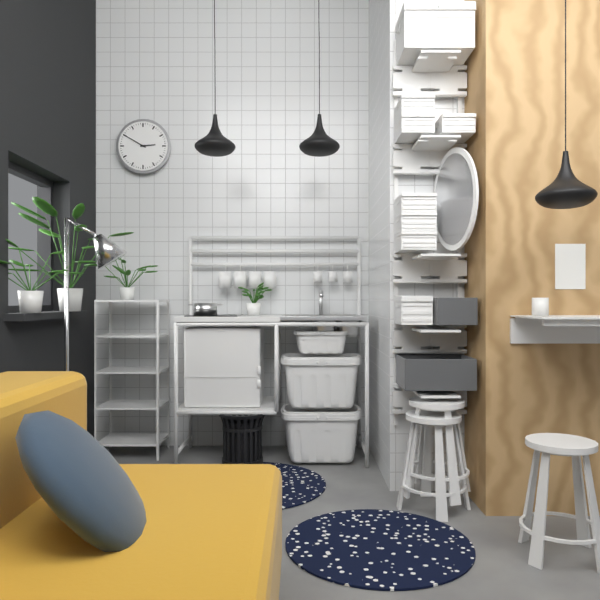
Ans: {"hour": 2, "minute": 50}
